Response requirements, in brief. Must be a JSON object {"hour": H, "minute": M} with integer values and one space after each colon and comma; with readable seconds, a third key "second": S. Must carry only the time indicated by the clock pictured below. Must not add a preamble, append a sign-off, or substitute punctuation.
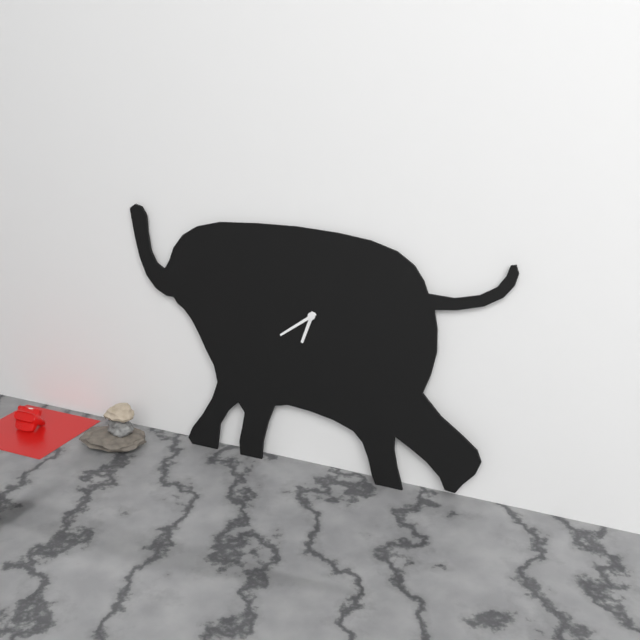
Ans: {"hour": 6, "minute": 39}
